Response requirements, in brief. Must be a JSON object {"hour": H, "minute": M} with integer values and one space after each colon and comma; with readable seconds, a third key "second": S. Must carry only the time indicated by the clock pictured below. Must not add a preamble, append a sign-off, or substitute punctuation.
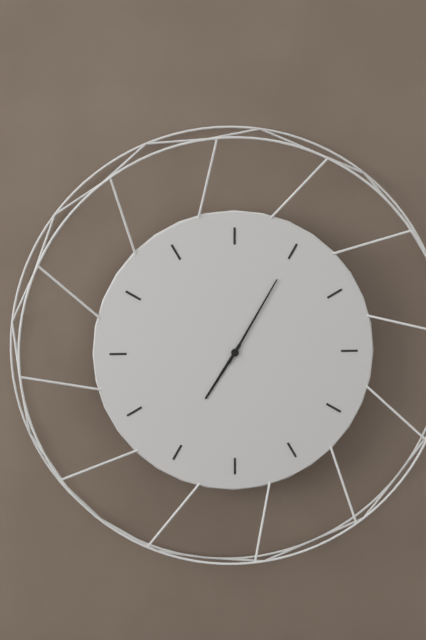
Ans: {"hour": 7, "minute": 5}
